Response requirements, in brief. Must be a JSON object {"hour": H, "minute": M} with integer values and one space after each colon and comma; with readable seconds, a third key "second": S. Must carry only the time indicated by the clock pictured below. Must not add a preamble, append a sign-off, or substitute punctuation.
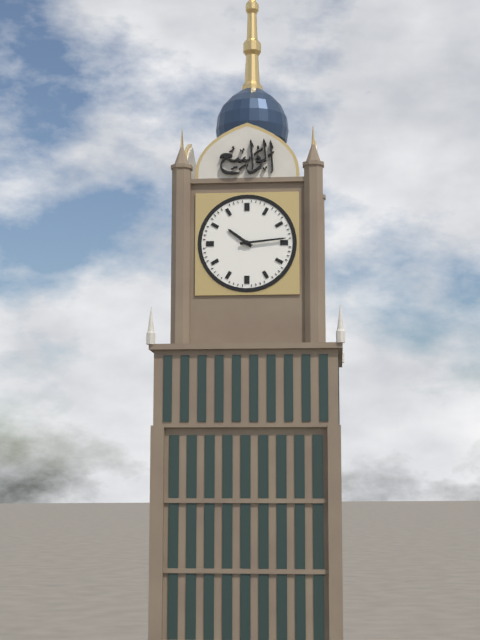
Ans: {"hour": 10, "minute": 14}
